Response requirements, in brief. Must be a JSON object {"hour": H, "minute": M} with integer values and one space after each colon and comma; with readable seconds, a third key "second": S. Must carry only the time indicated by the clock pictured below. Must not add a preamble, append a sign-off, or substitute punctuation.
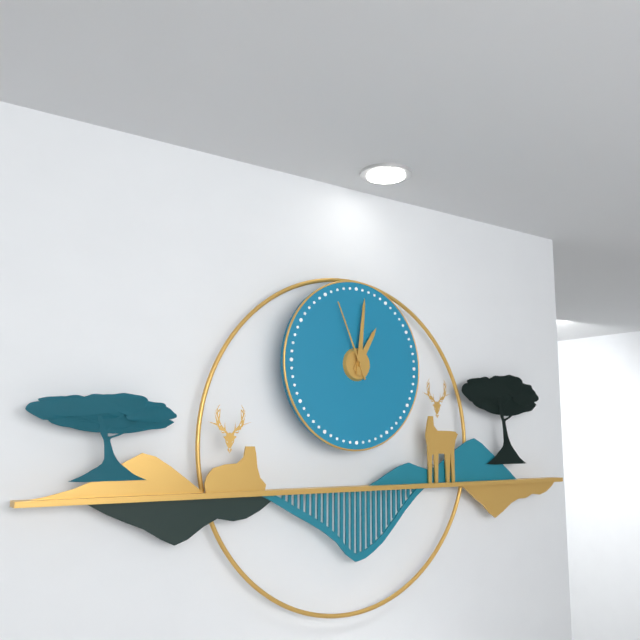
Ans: {"hour": 1, "minute": 1, "second": 56}
